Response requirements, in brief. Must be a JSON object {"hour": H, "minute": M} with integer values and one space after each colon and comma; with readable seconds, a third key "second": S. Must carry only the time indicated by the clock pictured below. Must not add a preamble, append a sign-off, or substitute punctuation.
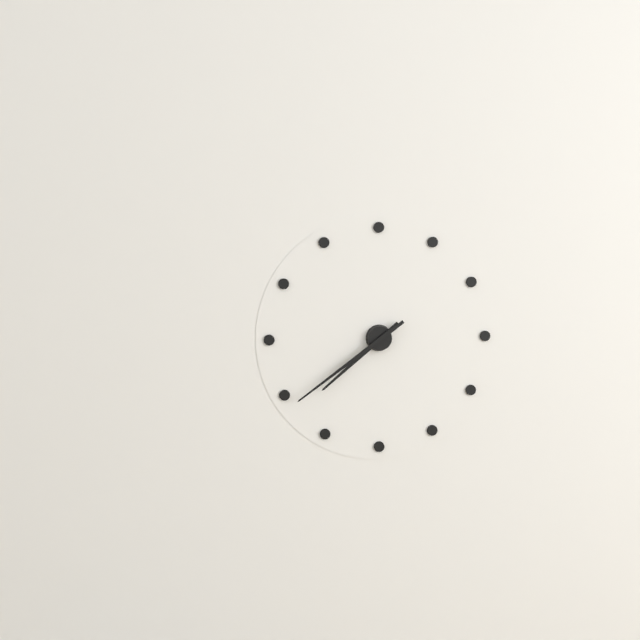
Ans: {"hour": 7, "minute": 39}
